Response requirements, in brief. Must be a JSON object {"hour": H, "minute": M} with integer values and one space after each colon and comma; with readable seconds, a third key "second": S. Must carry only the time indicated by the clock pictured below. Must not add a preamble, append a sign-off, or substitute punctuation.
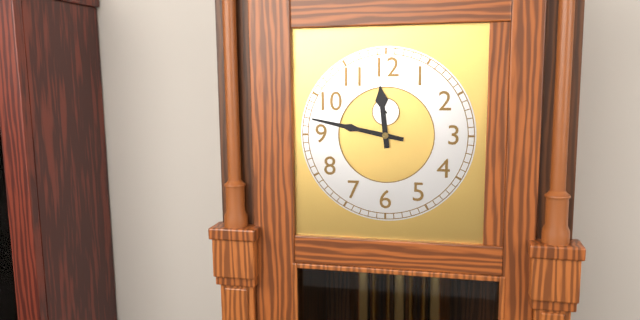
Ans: {"hour": 11, "minute": 47}
